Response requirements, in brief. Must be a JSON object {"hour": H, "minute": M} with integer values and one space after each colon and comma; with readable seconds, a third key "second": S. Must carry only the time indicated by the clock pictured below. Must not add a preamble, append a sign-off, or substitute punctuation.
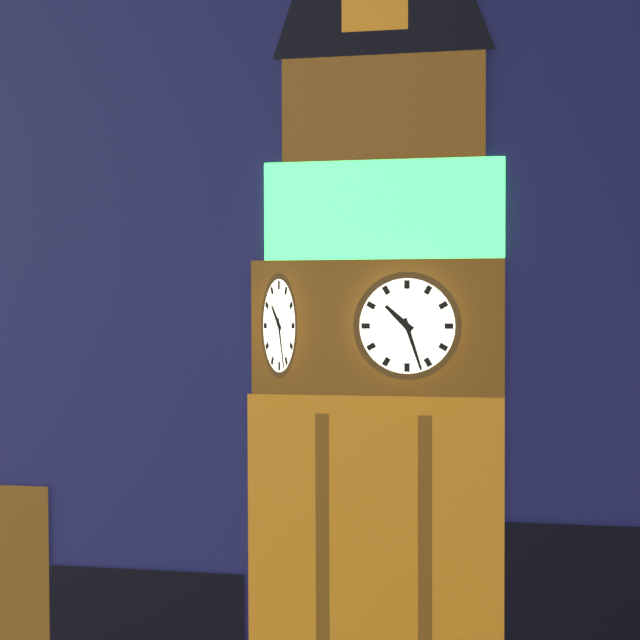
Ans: {"hour": 10, "minute": 27}
